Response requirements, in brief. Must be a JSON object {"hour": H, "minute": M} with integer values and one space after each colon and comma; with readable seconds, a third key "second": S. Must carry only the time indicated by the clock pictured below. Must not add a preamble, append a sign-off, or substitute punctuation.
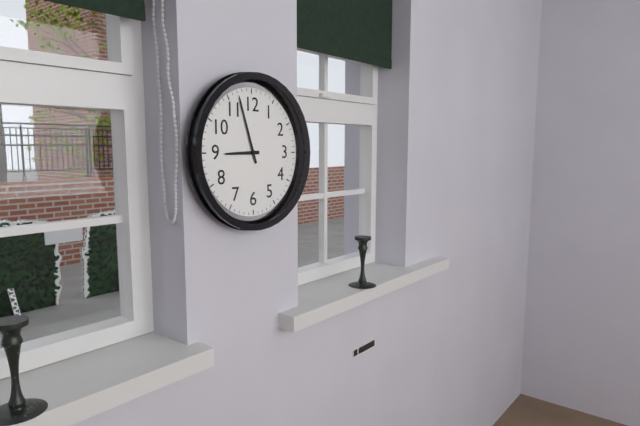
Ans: {"hour": 8, "minute": 57}
